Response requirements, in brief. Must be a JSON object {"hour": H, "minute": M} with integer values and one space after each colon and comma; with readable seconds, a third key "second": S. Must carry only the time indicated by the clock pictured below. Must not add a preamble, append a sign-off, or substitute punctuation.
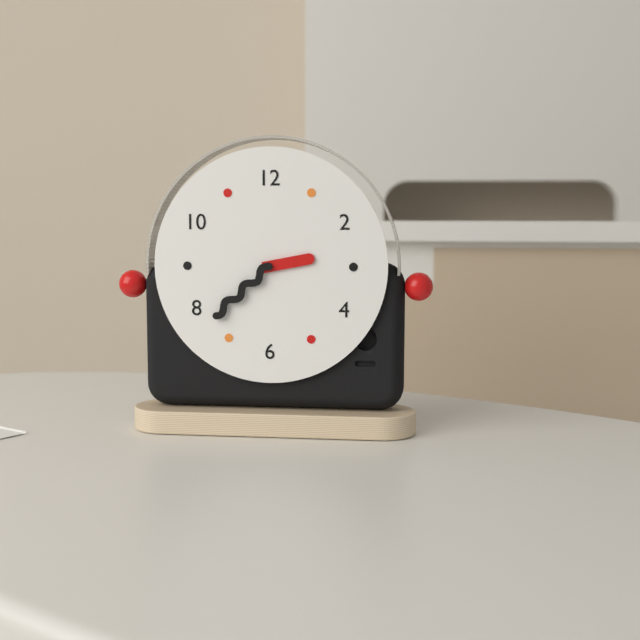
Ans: {"hour": 2, "minute": 38}
